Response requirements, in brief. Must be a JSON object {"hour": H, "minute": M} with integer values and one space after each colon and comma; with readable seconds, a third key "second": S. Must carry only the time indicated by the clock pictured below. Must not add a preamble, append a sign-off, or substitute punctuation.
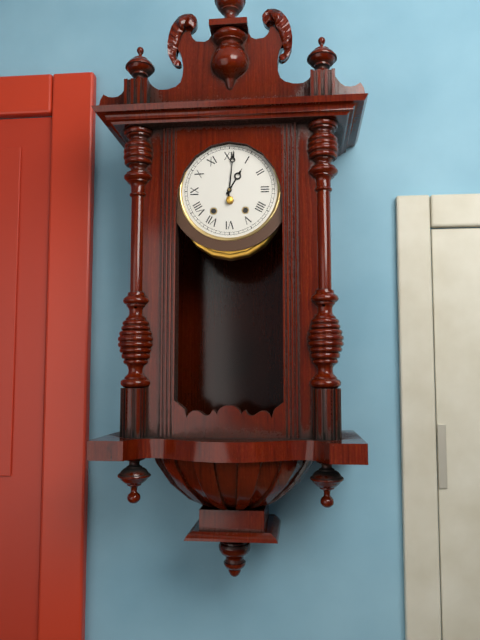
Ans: {"hour": 1, "minute": 1}
